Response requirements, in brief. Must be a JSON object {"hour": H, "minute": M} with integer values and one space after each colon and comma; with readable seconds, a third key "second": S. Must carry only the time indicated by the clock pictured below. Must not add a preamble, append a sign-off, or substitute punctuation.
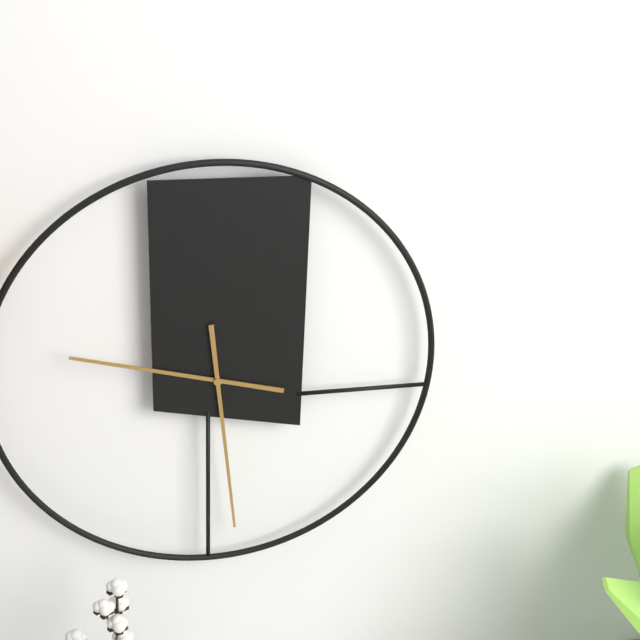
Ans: {"hour": 9, "minute": 29}
